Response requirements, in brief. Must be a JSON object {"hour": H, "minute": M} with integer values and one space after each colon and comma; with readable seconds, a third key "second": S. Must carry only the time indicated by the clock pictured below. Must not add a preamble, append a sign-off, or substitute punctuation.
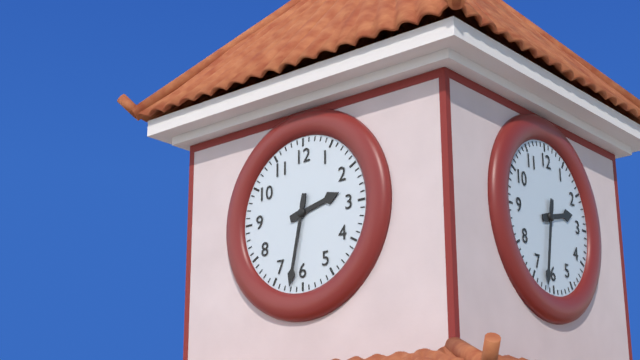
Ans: {"hour": 2, "minute": 32}
